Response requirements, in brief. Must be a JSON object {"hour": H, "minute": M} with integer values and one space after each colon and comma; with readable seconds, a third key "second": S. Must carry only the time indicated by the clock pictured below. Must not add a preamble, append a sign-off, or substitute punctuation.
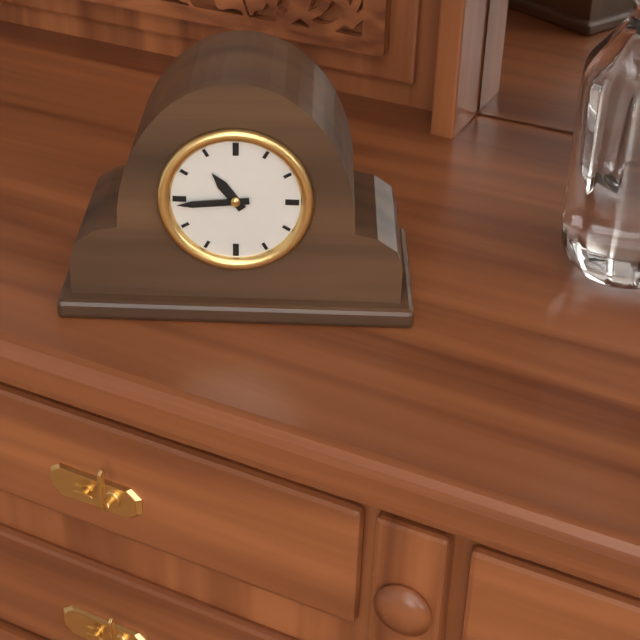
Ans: {"hour": 10, "minute": 44}
